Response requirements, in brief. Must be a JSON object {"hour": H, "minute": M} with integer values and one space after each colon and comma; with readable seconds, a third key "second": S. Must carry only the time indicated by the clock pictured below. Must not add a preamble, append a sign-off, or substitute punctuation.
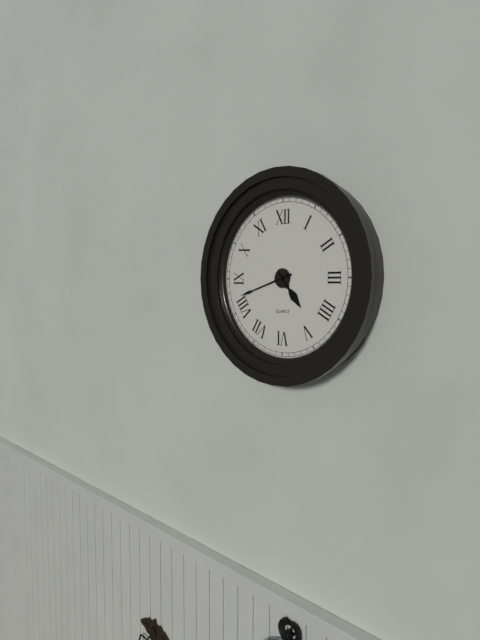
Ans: {"hour": 4, "minute": 42}
